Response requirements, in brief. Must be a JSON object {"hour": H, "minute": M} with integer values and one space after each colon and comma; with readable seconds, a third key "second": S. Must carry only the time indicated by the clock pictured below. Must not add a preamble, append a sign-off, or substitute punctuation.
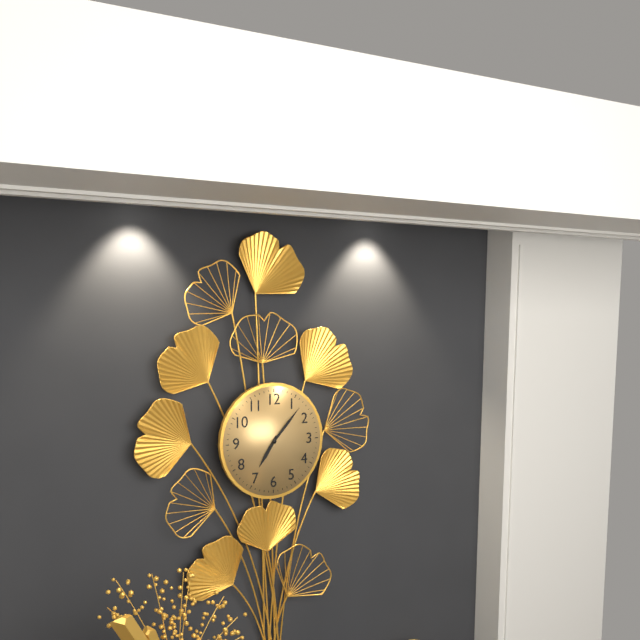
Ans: {"hour": 7, "minute": 7}
